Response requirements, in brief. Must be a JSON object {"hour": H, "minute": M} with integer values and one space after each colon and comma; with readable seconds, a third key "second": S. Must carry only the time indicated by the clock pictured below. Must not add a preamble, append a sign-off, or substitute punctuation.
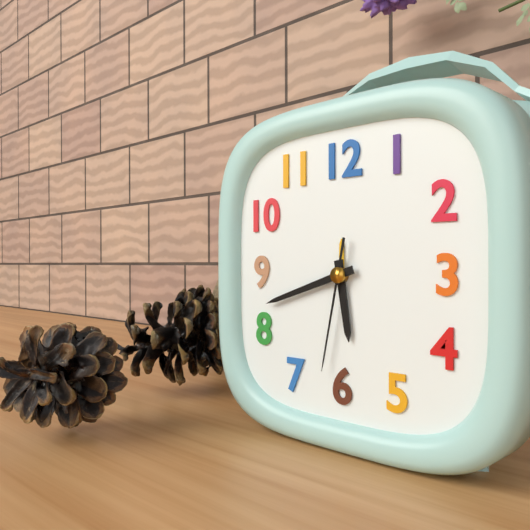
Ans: {"hour": 5, "minute": 42, "second": 32}
